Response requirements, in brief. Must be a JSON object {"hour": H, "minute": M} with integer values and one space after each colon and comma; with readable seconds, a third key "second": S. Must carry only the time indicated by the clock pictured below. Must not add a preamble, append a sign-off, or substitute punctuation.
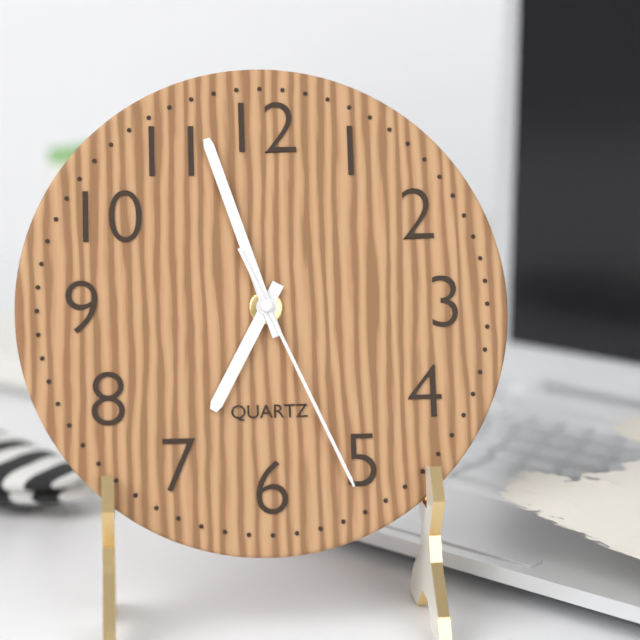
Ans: {"hour": 6, "minute": 57, "second": 26}
